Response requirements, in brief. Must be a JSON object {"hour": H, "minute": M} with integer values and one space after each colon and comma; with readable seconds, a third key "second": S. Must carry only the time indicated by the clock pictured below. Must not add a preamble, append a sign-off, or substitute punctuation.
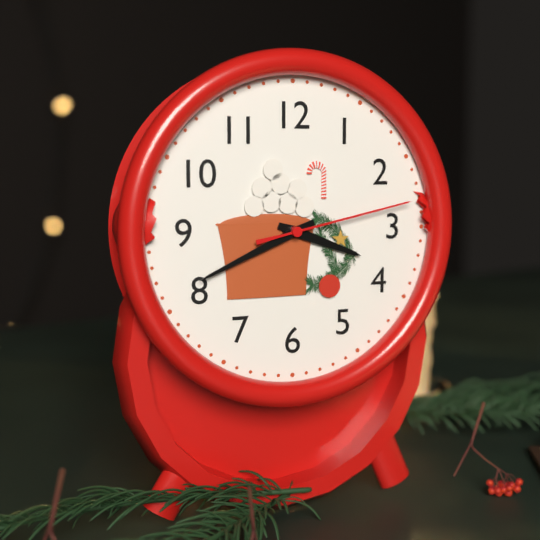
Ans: {"hour": 3, "minute": 41, "second": 13}
